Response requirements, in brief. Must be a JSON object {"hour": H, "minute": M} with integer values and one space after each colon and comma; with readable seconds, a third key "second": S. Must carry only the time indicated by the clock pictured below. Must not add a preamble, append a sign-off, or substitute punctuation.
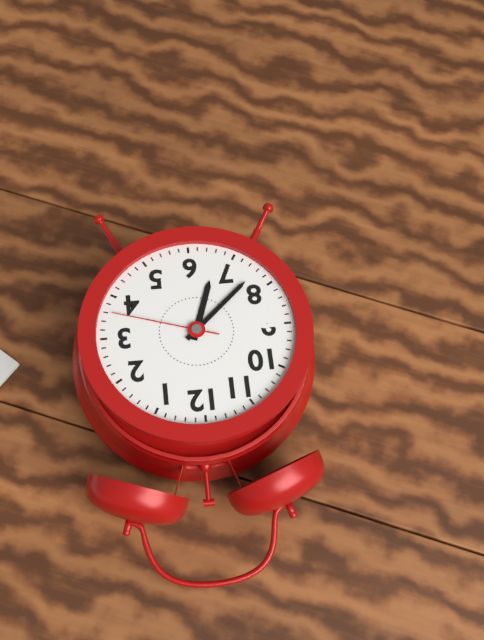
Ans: {"hour": 6, "minute": 38, "second": 18}
